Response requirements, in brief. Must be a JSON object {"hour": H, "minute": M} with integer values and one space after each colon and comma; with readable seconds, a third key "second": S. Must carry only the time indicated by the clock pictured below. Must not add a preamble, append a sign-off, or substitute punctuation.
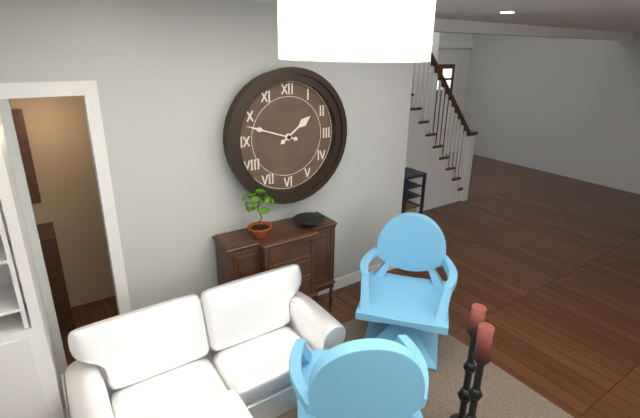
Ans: {"hour": 1, "minute": 48}
